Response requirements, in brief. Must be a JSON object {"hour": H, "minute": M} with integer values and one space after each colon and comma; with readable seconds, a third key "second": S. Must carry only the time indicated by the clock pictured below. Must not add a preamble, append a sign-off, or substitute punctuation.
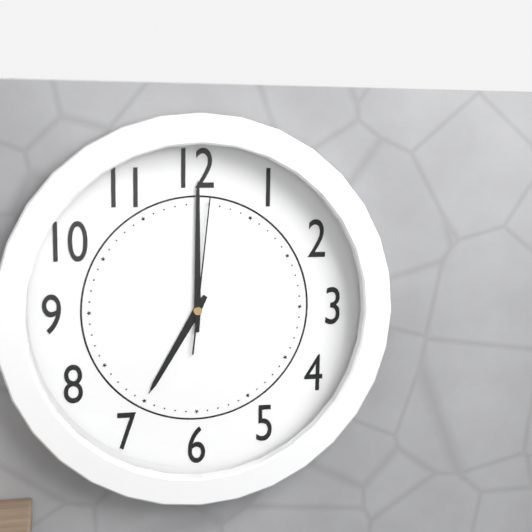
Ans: {"hour": 7, "minute": 0, "second": 1}
